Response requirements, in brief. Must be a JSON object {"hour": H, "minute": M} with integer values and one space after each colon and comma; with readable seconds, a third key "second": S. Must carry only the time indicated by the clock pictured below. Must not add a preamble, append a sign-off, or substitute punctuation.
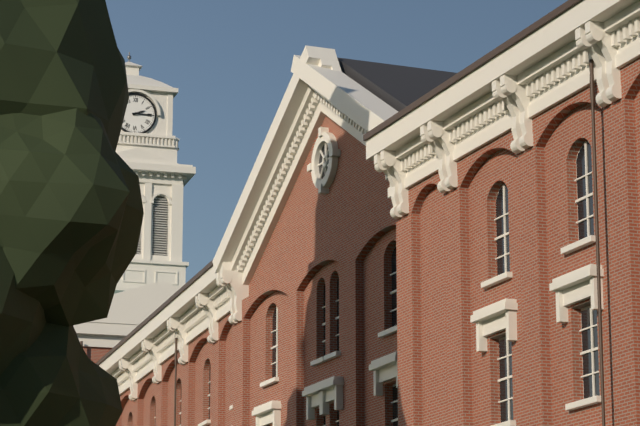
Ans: {"hour": 2, "minute": 15}
